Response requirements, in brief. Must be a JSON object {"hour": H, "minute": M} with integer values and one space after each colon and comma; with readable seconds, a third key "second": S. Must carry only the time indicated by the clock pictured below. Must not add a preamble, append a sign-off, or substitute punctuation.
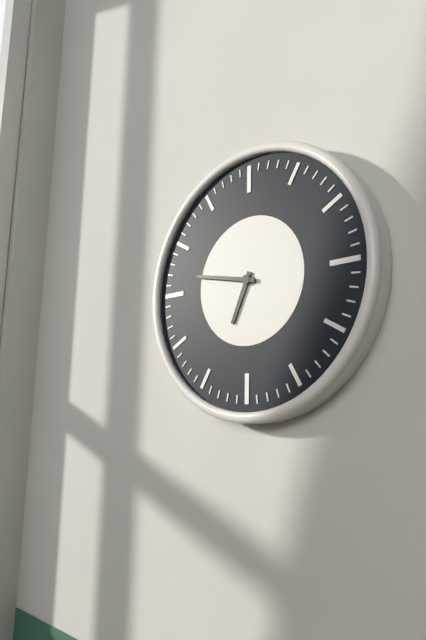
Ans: {"hour": 6, "minute": 47}
